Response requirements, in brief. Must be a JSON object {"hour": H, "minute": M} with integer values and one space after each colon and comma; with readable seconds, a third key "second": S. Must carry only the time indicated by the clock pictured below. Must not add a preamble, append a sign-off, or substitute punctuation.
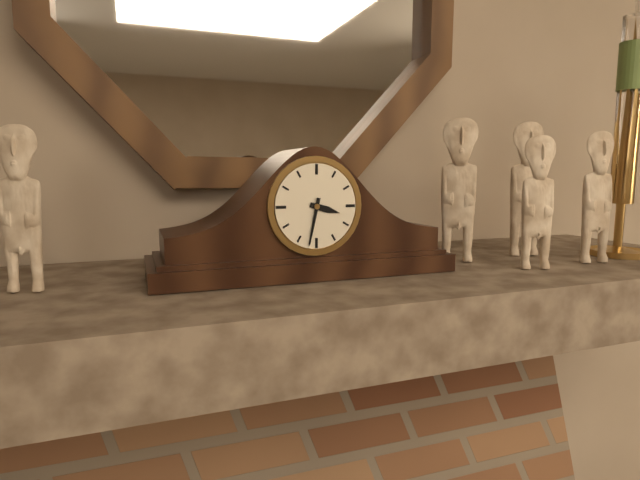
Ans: {"hour": 3, "minute": 32}
